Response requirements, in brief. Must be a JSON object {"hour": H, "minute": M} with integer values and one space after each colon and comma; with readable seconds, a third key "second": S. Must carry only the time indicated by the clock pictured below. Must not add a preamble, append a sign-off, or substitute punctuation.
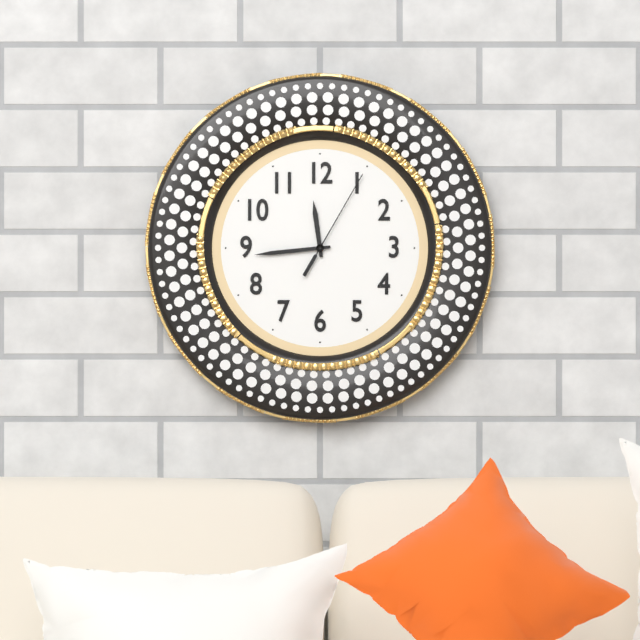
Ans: {"hour": 11, "minute": 44, "second": 5}
